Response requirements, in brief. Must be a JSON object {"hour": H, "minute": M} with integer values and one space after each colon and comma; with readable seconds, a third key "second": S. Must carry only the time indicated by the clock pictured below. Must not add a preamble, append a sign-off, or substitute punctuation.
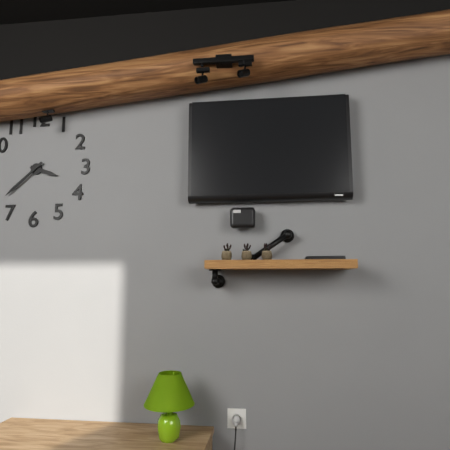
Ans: {"hour": 3, "minute": 38}
